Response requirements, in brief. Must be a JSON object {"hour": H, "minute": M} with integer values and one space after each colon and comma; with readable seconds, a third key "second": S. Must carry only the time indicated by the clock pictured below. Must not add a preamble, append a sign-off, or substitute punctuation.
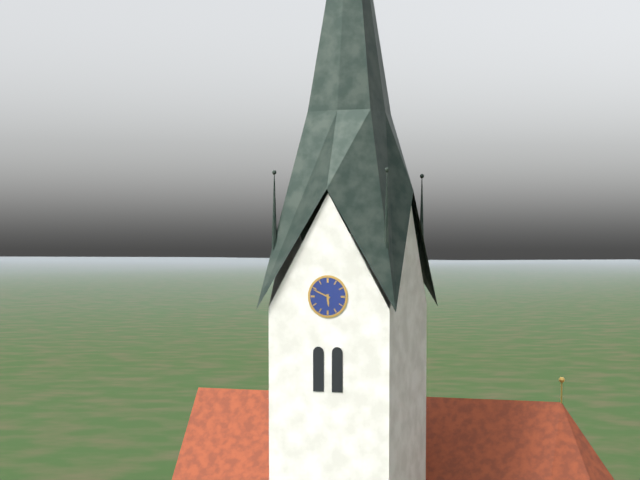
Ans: {"hour": 5, "minute": 49}
